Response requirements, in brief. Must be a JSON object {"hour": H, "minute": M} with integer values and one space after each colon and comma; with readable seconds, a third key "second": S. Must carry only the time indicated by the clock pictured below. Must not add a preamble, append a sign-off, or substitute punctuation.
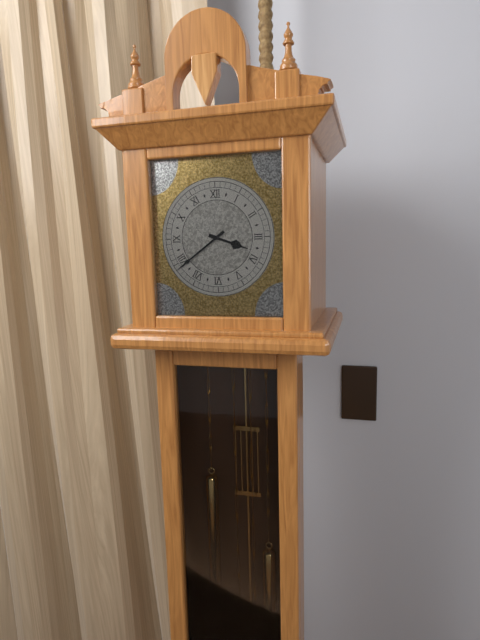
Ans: {"hour": 3, "minute": 39}
